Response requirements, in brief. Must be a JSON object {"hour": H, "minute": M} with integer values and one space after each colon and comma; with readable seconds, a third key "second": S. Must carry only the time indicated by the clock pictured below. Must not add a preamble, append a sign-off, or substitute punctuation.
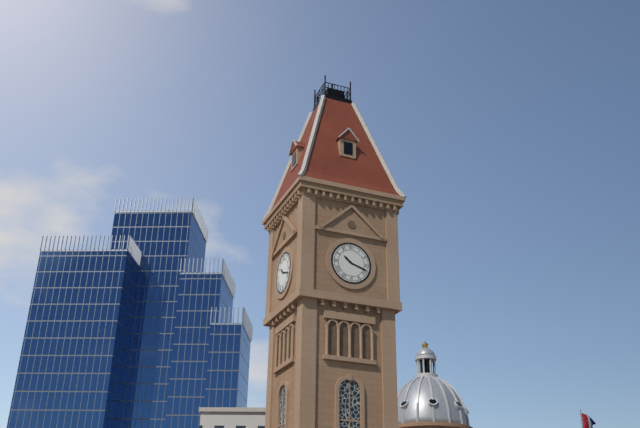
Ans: {"hour": 10, "minute": 18}
